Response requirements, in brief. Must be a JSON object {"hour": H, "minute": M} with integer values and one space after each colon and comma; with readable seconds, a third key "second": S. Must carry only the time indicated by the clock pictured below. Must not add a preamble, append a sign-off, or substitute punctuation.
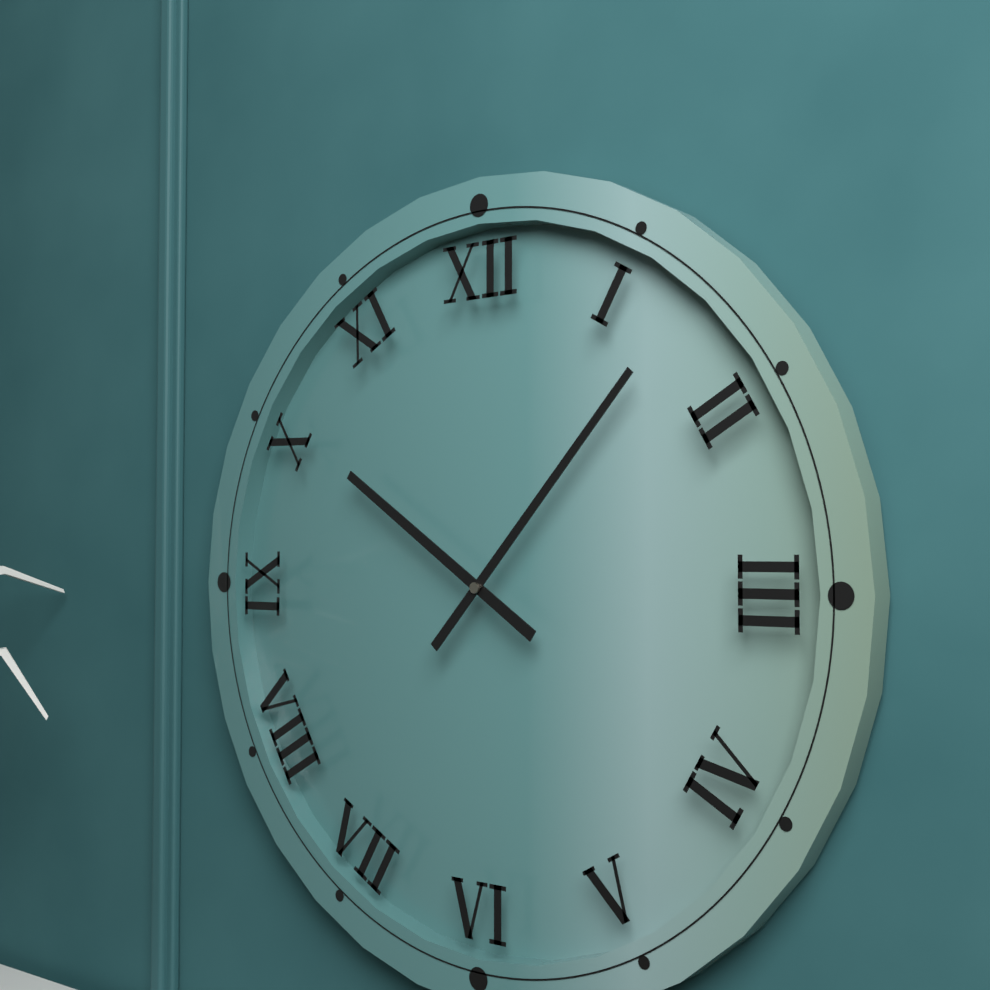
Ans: {"hour": 10, "minute": 7}
